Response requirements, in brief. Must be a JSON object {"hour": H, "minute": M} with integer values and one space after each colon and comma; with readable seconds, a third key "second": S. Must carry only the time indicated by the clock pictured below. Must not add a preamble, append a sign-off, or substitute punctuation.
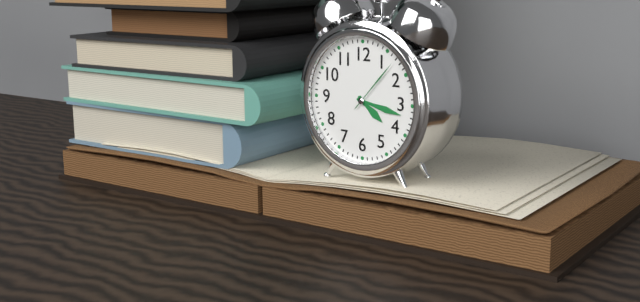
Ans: {"hour": 4, "minute": 17, "second": 7}
